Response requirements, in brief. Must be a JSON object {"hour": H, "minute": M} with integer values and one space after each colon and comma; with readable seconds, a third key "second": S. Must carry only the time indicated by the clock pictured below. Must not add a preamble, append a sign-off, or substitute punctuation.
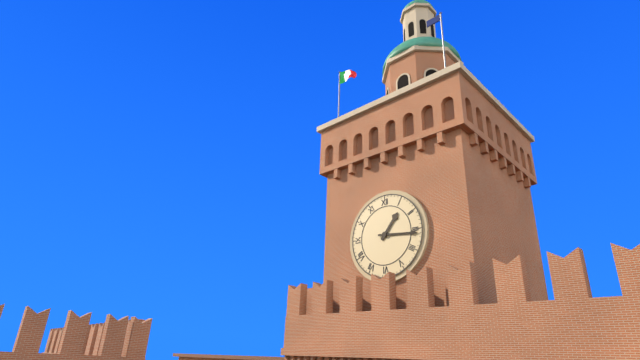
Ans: {"hour": 1, "minute": 16}
